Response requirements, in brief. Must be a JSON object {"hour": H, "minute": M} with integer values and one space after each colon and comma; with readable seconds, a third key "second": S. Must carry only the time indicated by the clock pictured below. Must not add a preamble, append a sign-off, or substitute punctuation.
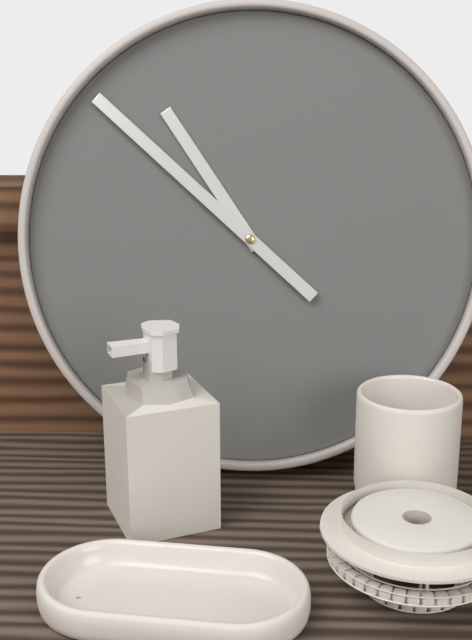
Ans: {"hour": 10, "minute": 52}
